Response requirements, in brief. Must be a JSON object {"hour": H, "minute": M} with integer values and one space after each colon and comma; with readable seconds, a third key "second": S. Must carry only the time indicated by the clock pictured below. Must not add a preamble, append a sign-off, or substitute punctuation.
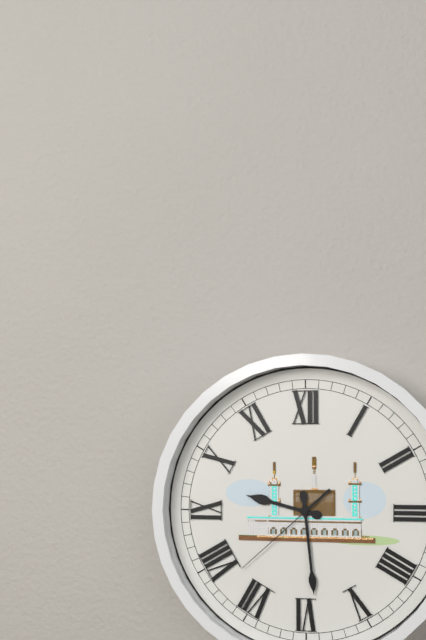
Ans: {"hour": 9, "minute": 29, "second": 38}
